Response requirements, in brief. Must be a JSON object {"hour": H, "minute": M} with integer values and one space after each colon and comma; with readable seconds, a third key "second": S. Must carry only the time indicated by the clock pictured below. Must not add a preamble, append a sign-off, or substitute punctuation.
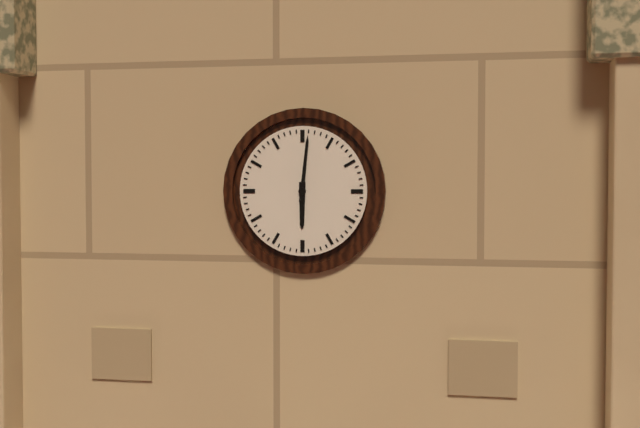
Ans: {"hour": 6, "minute": 1}
